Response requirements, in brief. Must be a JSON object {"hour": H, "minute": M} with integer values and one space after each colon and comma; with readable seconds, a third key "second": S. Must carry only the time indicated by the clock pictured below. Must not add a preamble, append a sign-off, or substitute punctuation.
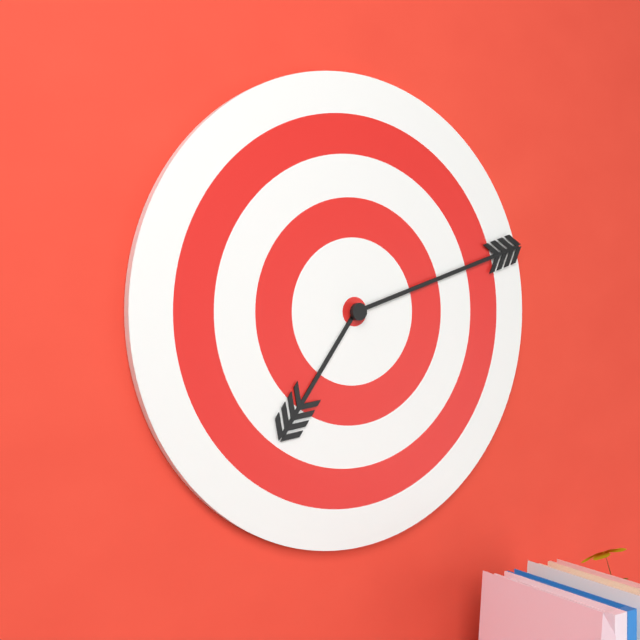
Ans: {"hour": 7, "minute": 12}
